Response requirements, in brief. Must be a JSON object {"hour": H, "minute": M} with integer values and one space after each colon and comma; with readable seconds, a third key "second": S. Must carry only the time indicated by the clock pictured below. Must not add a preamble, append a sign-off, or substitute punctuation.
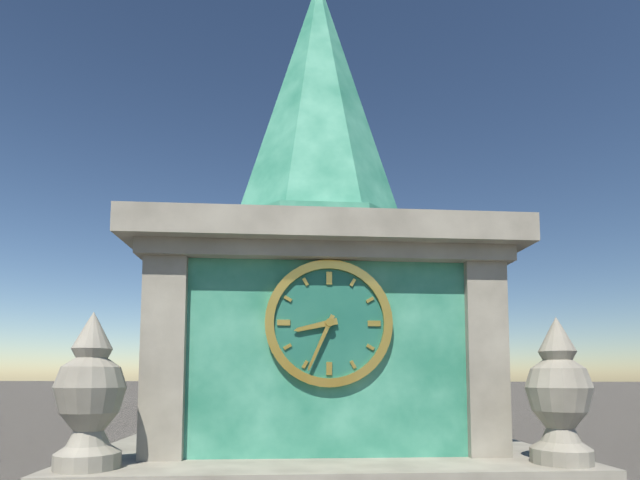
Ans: {"hour": 8, "minute": 34}
